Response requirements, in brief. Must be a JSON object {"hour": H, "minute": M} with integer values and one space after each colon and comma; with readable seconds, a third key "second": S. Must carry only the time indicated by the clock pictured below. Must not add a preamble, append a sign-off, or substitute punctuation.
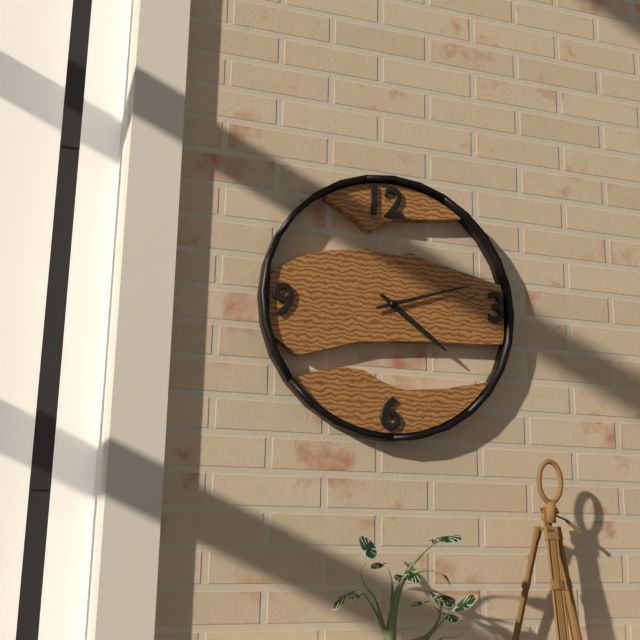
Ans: {"hour": 4, "minute": 12}
